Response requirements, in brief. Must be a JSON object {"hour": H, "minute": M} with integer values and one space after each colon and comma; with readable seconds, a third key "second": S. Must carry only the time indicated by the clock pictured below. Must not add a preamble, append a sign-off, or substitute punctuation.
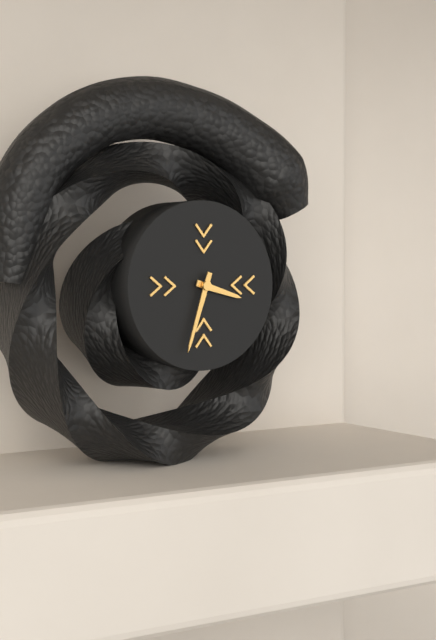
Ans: {"hour": 3, "minute": 33}
